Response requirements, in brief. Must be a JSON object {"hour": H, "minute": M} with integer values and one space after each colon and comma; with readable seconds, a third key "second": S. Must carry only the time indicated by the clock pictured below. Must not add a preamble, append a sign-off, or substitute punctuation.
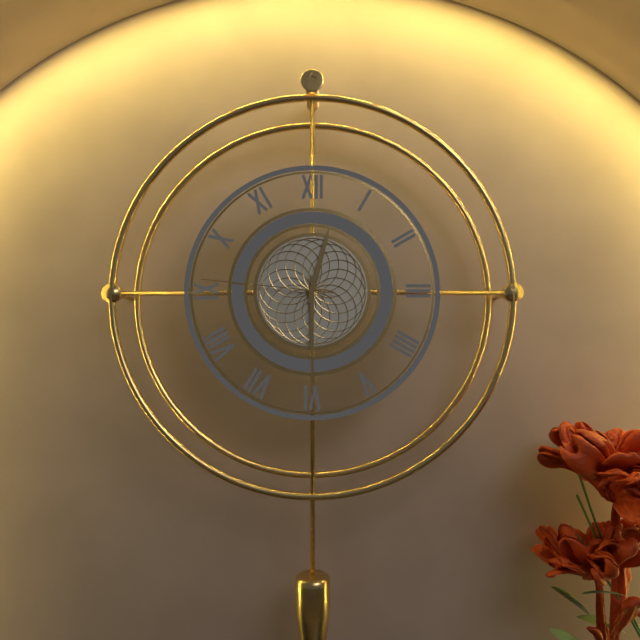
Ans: {"hour": 12, "minute": 30, "second": 46}
